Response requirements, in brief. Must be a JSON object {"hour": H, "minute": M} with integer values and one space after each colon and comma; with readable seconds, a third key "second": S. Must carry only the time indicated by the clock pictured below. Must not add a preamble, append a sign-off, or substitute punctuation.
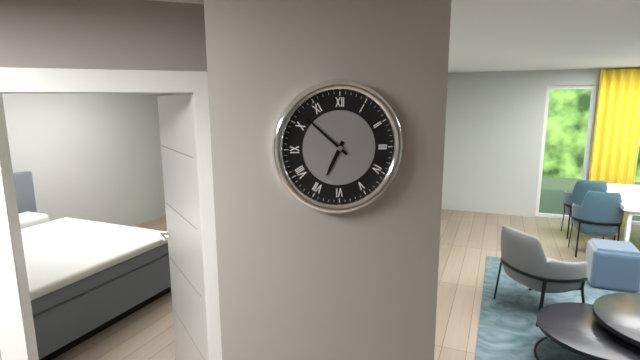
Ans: {"hour": 6, "minute": 52}
